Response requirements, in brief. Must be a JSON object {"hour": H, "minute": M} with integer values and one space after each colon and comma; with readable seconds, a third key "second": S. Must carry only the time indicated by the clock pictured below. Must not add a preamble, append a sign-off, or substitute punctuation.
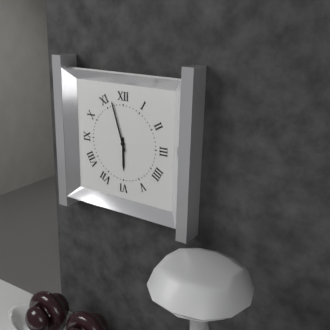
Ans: {"hour": 5, "minute": 57}
